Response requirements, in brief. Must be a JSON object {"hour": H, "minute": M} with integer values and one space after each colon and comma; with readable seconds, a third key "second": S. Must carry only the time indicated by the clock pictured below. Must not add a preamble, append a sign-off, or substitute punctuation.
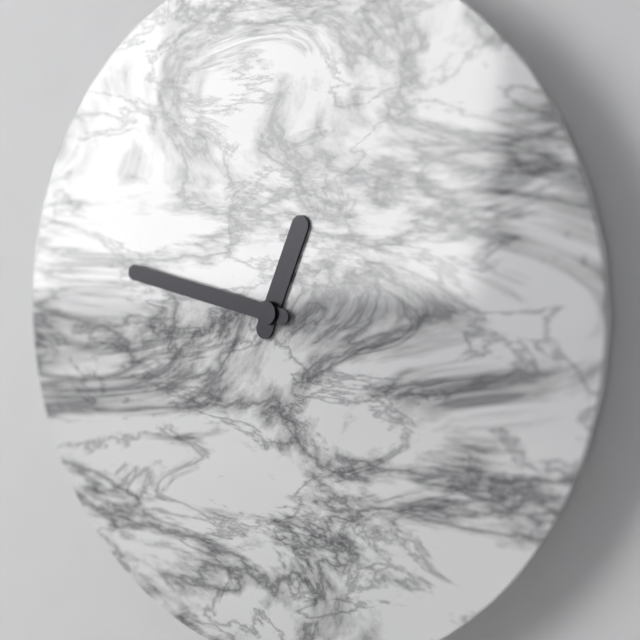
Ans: {"hour": 12, "minute": 47}
